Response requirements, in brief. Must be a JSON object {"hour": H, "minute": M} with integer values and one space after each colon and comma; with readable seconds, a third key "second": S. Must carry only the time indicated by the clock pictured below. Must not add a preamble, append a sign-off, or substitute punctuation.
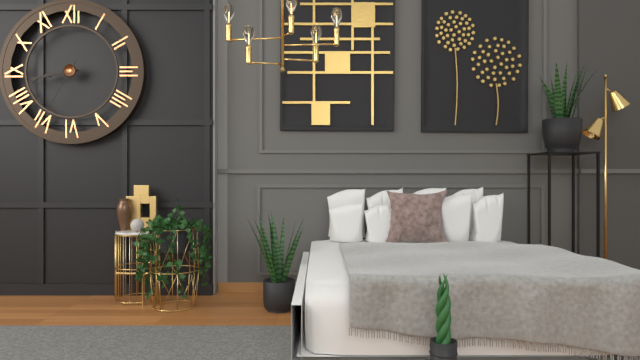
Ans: {"hour": 8, "minute": 43, "second": 35}
